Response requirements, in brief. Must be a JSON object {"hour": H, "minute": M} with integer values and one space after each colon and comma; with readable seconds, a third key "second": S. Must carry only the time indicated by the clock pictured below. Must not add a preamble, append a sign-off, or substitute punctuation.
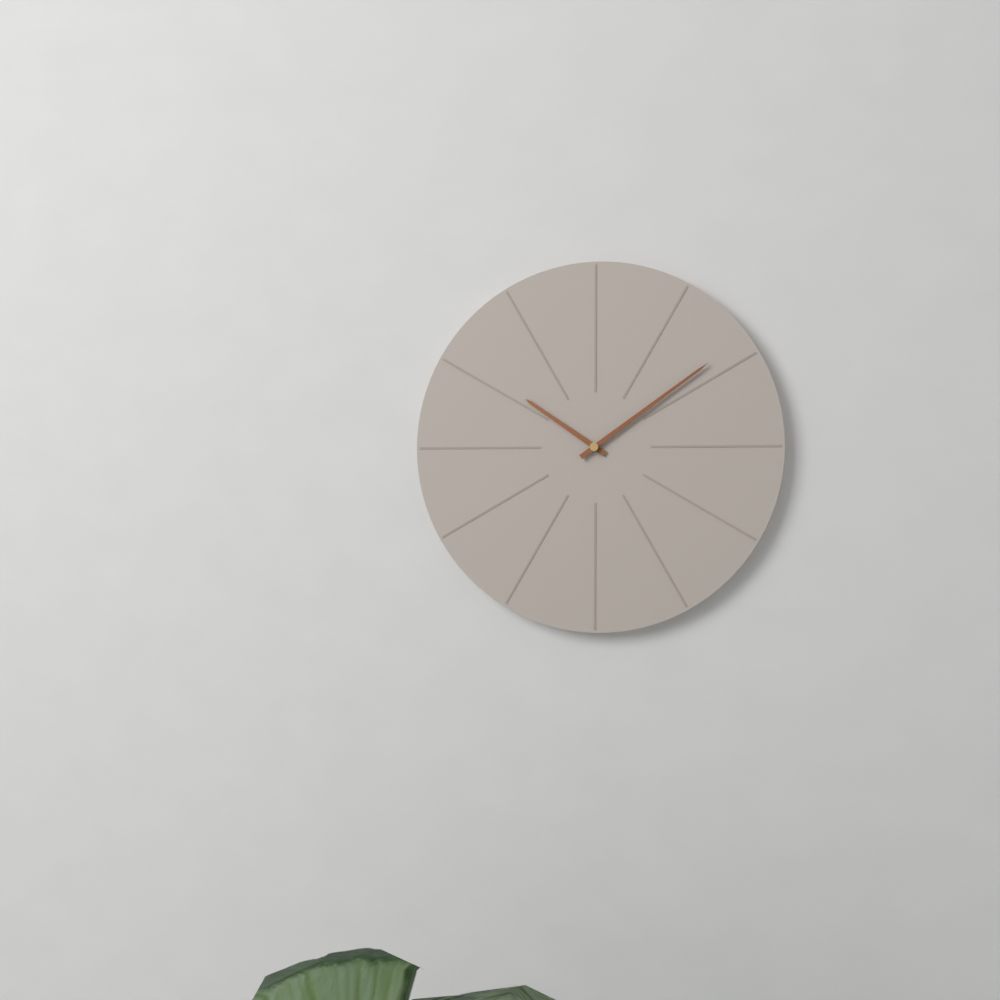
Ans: {"hour": 10, "minute": 9}
